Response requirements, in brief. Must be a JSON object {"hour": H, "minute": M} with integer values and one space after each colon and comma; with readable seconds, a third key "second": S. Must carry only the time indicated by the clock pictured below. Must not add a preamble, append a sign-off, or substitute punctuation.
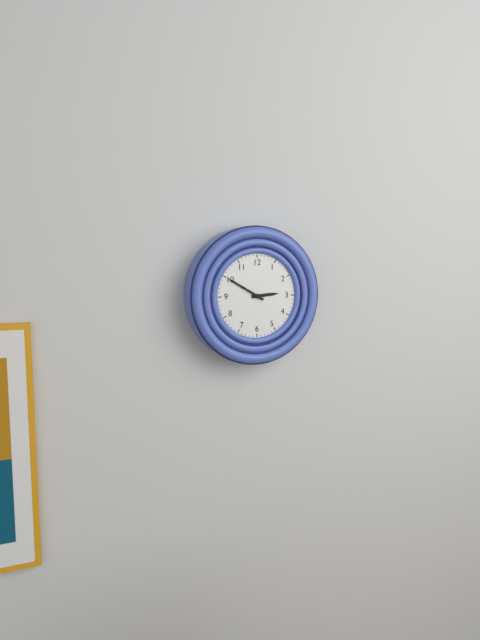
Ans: {"hour": 2, "minute": 50}
